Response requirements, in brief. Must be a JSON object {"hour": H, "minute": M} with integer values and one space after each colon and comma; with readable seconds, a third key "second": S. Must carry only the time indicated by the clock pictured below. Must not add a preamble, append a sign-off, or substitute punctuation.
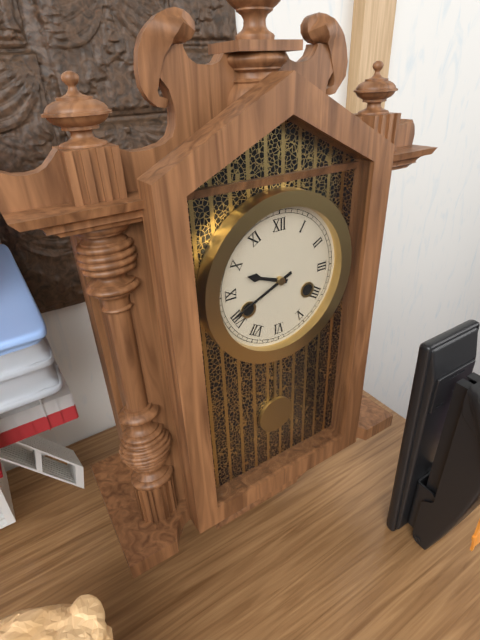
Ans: {"hour": 9, "minute": 41}
